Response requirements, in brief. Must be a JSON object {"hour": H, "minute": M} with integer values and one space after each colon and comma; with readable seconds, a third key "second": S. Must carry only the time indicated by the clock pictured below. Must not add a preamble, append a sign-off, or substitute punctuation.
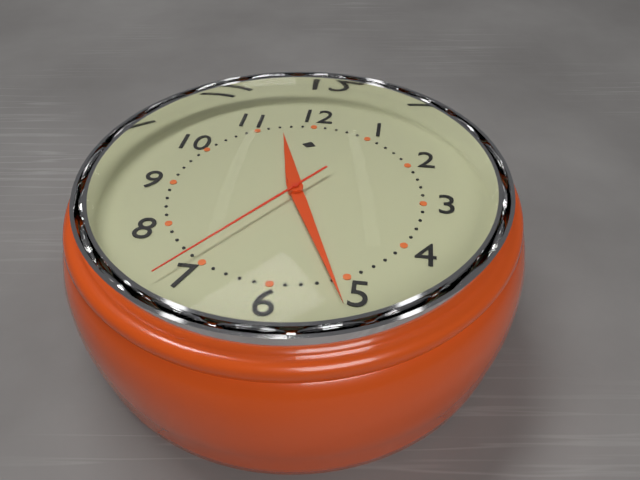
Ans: {"hour": 11, "minute": 26, "second": 36}
